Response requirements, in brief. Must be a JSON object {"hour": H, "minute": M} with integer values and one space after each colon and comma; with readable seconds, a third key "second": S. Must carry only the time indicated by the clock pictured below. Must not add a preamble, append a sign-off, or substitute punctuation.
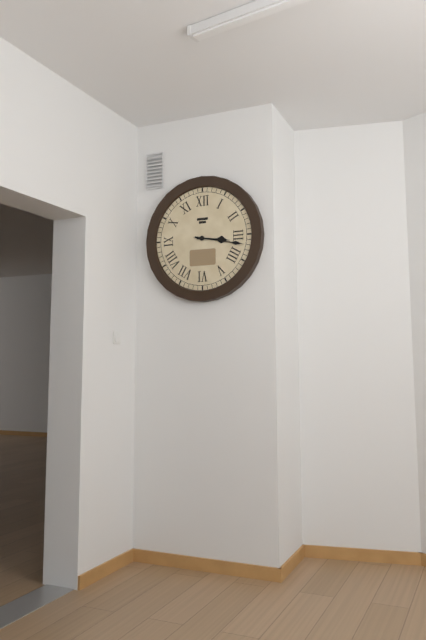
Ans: {"hour": 3, "minute": 17}
